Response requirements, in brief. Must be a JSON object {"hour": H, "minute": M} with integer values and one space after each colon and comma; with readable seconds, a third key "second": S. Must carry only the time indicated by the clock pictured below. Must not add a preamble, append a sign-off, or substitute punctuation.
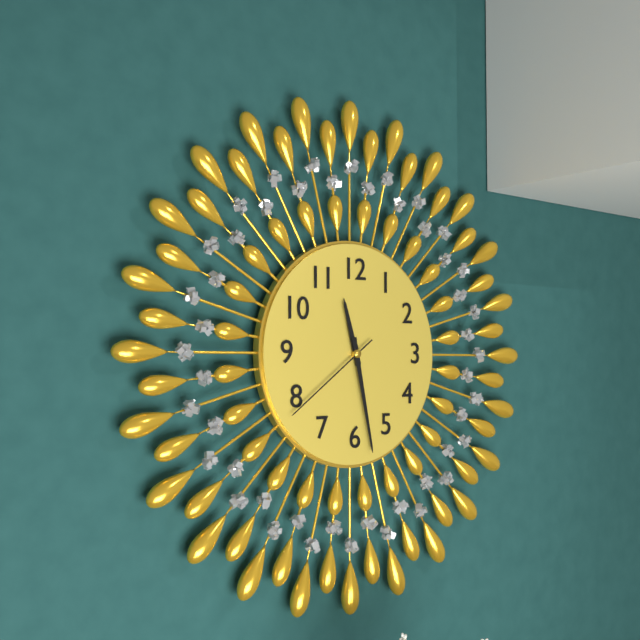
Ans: {"hour": 11, "minute": 28, "second": 39}
